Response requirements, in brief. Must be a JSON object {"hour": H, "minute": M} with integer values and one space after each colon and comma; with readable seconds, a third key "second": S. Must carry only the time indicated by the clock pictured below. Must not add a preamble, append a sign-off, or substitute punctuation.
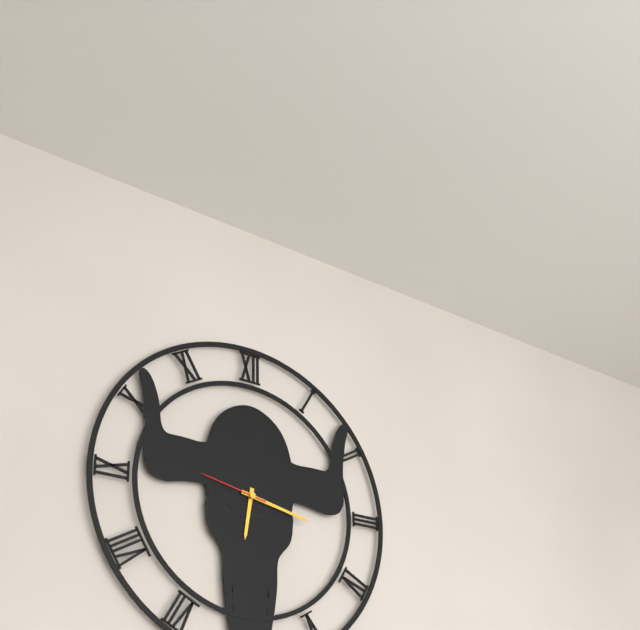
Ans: {"hour": 6, "minute": 17, "second": 47}
